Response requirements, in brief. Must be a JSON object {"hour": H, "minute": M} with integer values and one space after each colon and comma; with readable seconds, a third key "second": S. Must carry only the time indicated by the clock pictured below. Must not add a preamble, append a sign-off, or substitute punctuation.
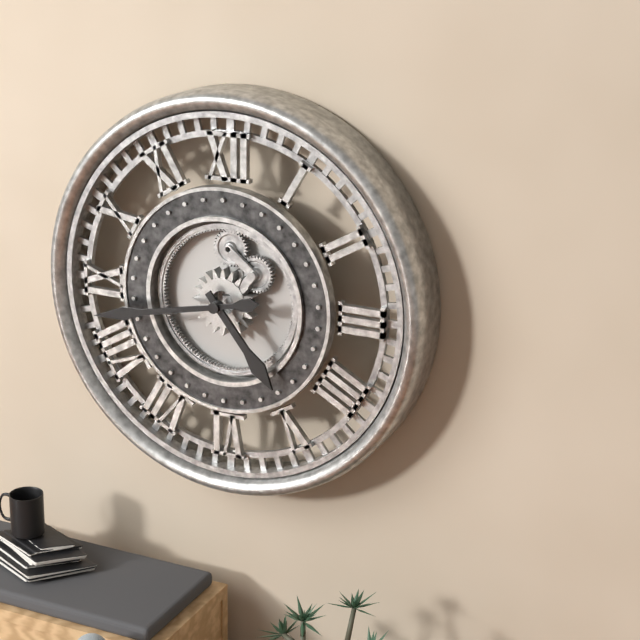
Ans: {"hour": 4, "minute": 43}
